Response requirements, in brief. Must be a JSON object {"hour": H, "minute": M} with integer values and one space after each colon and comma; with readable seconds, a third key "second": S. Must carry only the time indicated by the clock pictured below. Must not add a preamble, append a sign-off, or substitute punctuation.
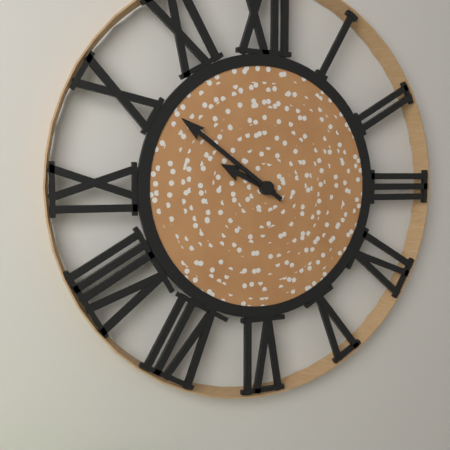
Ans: {"hour": 9, "minute": 51}
